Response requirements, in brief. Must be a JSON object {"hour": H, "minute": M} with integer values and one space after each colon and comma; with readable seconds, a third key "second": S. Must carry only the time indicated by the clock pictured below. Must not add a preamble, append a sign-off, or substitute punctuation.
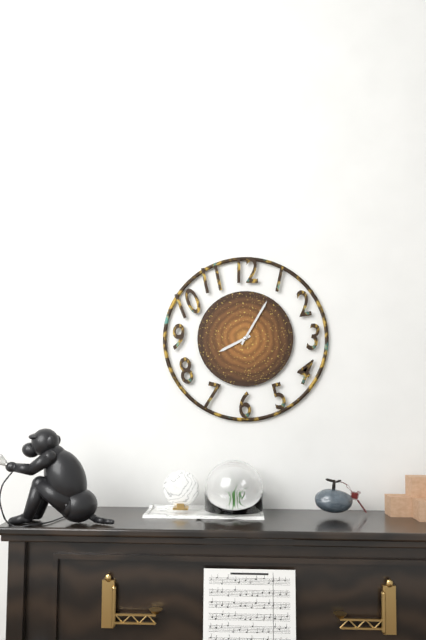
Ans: {"hour": 8, "minute": 5}
